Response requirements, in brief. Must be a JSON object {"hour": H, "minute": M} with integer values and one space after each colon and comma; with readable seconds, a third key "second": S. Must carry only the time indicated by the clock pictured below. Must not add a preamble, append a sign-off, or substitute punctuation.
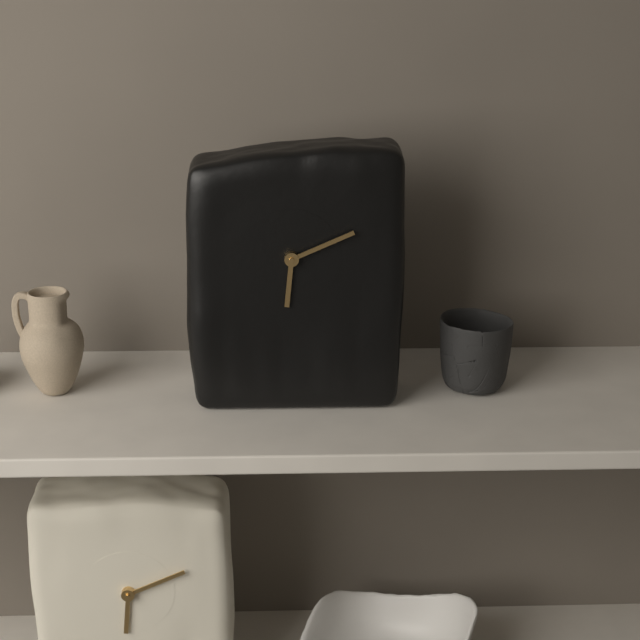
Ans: {"hour": 6, "minute": 11}
